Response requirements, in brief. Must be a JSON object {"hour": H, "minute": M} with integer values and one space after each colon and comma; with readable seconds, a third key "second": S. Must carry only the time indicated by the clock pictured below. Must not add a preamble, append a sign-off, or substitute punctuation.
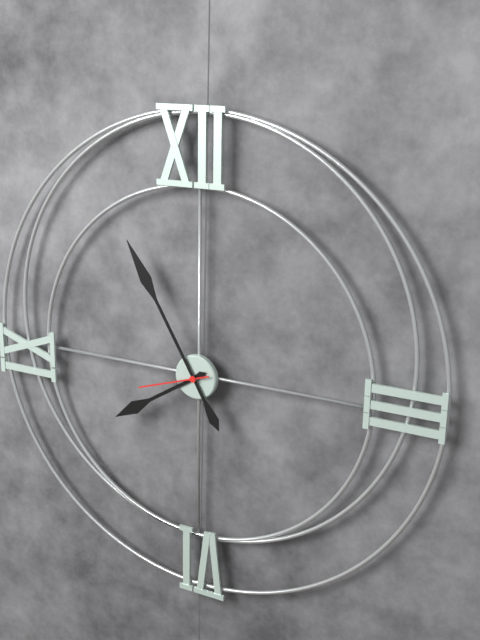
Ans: {"hour": 7, "minute": 55, "second": 42}
